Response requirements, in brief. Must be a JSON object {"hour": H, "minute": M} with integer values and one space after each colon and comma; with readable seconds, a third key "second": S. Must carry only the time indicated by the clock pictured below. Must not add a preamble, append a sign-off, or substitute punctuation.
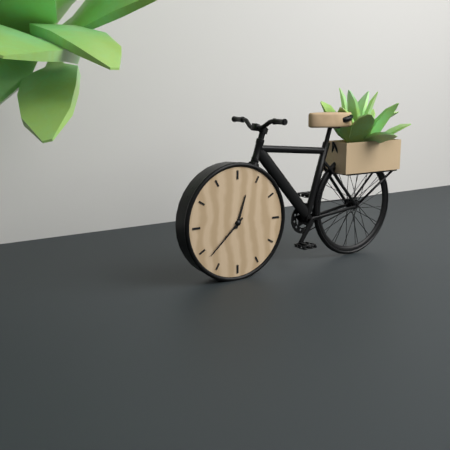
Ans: {"hour": 12, "minute": 38}
